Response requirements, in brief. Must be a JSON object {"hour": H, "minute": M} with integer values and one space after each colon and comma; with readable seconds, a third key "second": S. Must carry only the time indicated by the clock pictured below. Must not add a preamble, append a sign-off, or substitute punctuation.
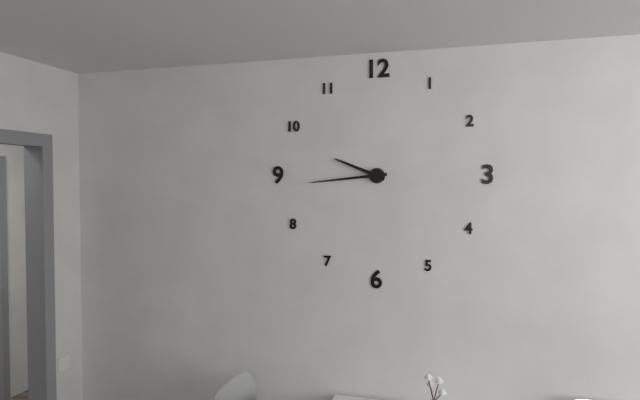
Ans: {"hour": 9, "minute": 44}
